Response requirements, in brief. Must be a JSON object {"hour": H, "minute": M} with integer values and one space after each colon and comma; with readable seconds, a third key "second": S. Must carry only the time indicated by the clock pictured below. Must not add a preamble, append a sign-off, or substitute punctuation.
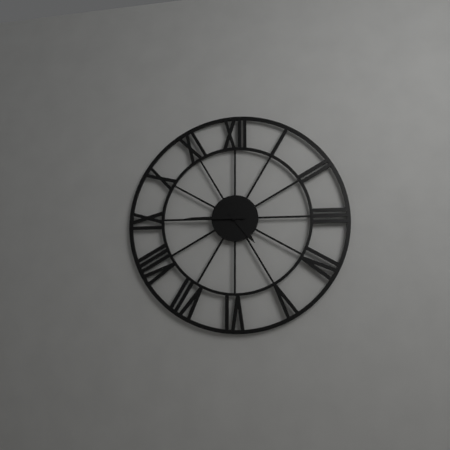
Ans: {"hour": 4, "minute": 45}
